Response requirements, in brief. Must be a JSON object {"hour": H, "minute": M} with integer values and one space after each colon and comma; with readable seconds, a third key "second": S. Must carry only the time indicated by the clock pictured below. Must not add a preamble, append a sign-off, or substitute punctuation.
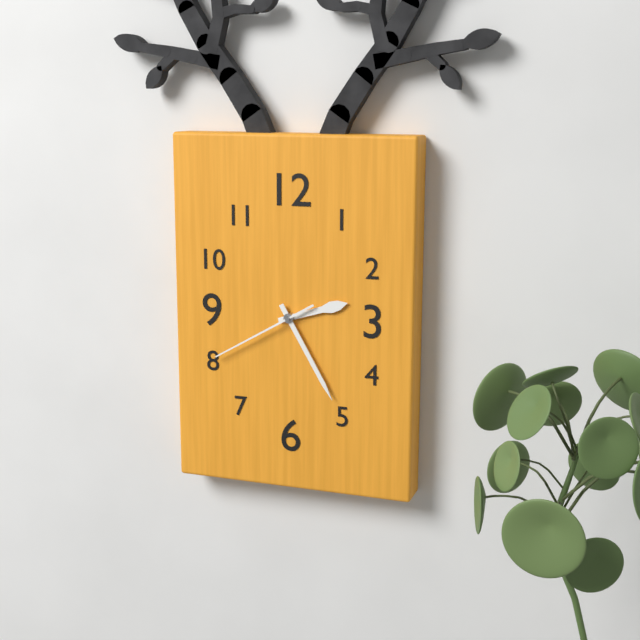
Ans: {"hour": 2, "minute": 25, "second": 40}
